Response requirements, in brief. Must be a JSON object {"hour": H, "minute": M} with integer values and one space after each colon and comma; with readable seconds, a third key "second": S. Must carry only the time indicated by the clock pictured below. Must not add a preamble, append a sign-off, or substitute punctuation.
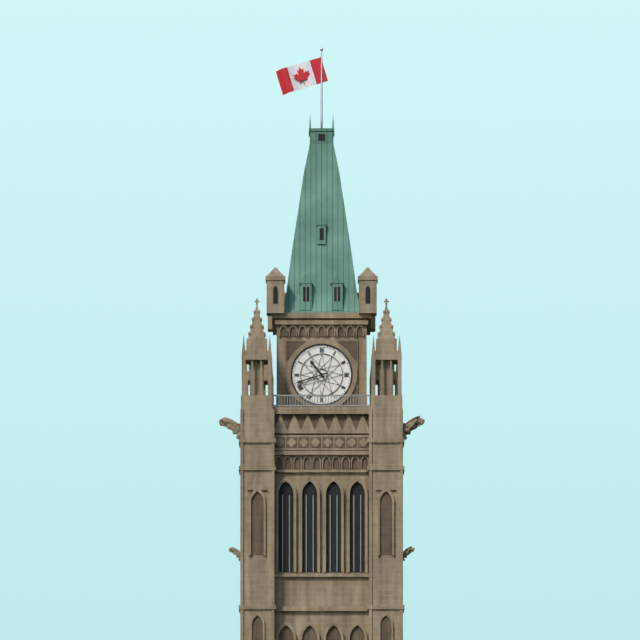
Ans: {"hour": 10, "minute": 42}
